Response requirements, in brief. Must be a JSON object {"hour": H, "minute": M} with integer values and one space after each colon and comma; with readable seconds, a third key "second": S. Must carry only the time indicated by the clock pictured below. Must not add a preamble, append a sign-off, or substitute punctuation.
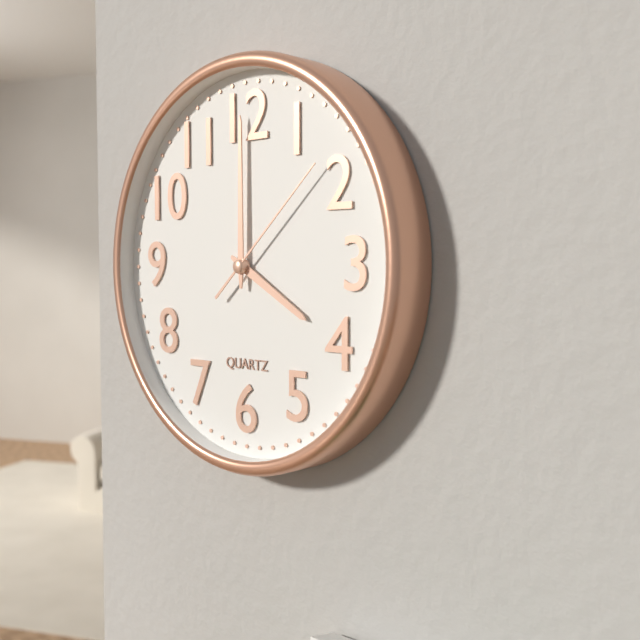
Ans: {"hour": 4, "minute": 0, "second": 8}
